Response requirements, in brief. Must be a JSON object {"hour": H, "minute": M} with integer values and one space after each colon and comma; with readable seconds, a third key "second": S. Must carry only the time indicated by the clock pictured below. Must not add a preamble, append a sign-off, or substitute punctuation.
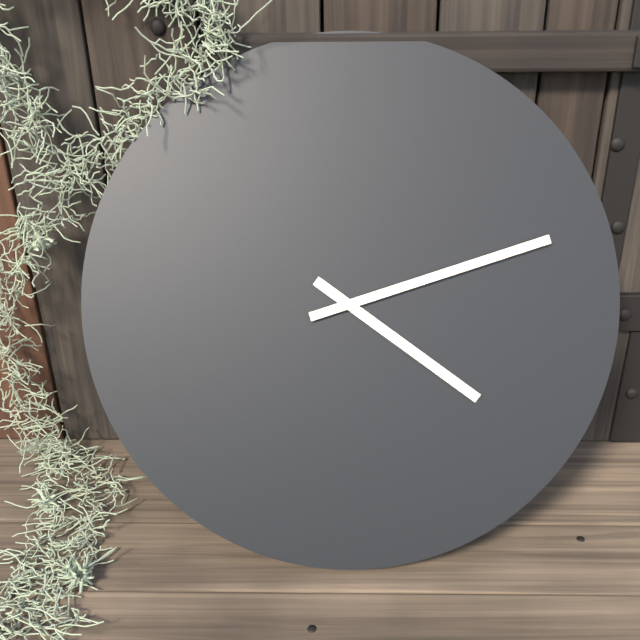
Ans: {"hour": 4, "minute": 12}
